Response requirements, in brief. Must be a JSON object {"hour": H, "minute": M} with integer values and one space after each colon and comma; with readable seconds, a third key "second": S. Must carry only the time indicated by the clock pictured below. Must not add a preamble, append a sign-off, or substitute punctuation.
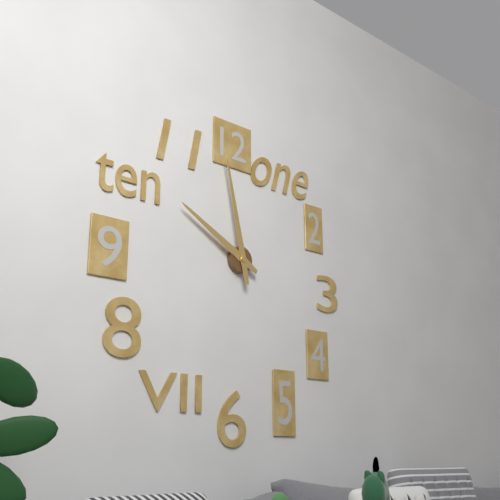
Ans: {"hour": 9, "minute": 58}
